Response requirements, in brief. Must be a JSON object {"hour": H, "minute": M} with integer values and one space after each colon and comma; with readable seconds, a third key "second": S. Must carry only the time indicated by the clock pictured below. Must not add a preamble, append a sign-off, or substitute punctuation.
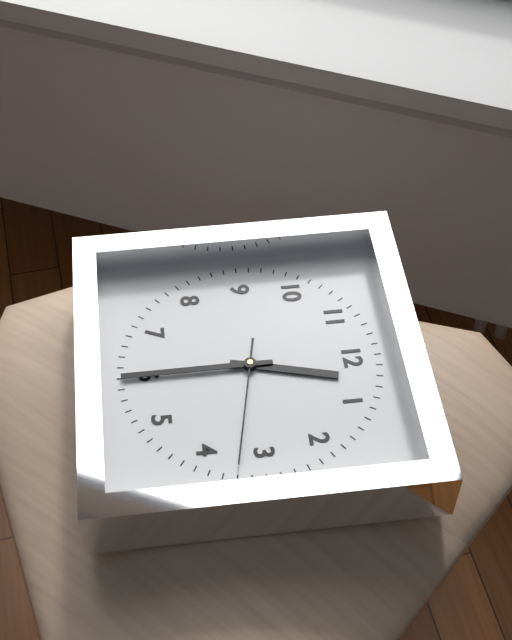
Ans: {"hour": 12, "minute": 30, "second": 17}
